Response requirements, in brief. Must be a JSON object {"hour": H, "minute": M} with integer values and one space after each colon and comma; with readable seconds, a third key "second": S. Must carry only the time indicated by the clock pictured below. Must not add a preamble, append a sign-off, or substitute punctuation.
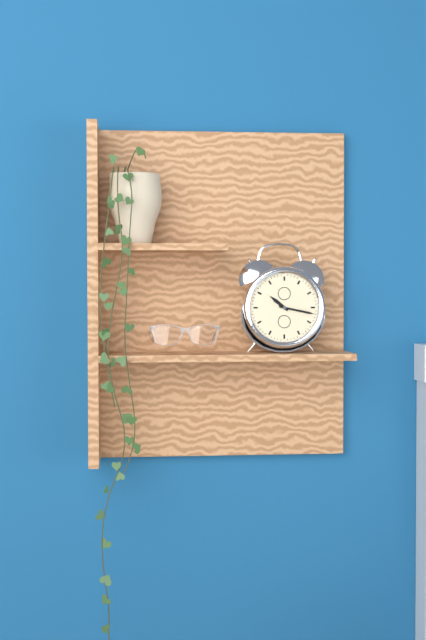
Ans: {"hour": 10, "minute": 17}
